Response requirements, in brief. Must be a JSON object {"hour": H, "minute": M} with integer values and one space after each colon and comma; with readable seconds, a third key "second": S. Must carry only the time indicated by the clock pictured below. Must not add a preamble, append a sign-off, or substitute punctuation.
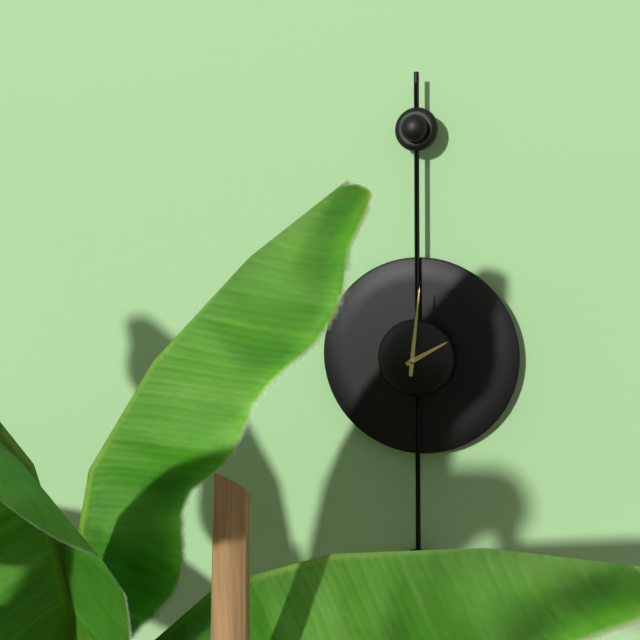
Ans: {"hour": 2, "minute": 1}
